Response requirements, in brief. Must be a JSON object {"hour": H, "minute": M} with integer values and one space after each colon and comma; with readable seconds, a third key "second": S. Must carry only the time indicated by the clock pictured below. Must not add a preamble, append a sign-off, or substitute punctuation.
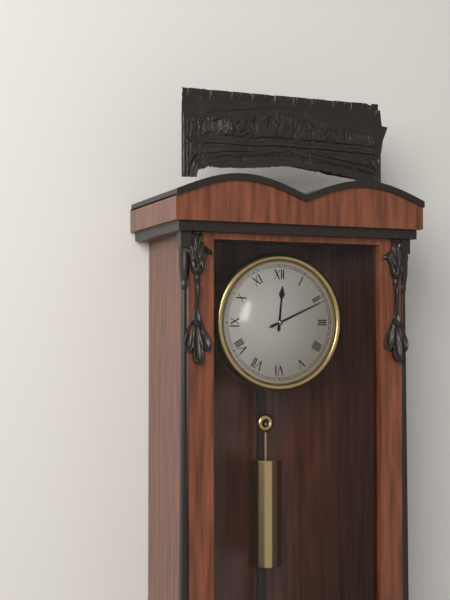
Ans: {"hour": 12, "minute": 11}
